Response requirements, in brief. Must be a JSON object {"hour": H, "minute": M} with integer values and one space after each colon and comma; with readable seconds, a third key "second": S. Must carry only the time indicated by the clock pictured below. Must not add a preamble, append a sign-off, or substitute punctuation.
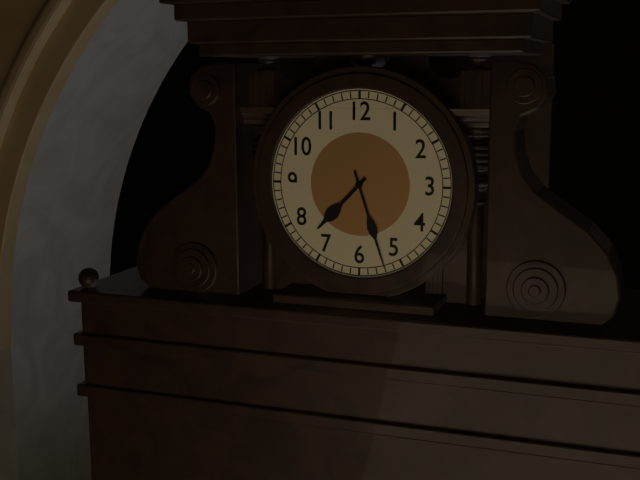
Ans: {"hour": 7, "minute": 27}
